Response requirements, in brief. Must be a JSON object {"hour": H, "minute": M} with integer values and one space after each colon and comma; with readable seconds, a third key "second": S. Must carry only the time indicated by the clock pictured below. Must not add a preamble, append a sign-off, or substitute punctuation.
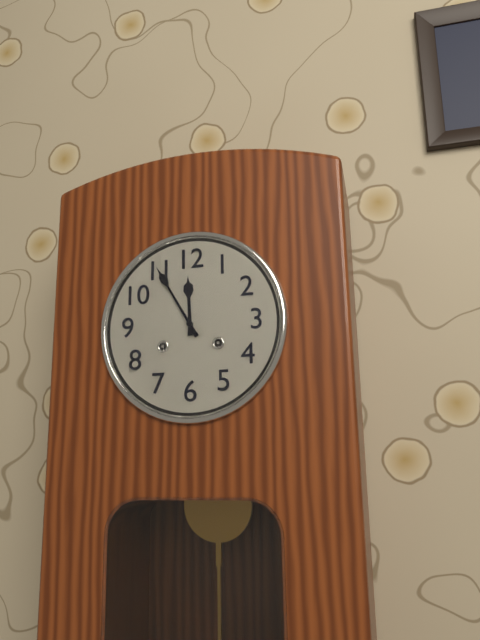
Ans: {"hour": 11, "minute": 55}
